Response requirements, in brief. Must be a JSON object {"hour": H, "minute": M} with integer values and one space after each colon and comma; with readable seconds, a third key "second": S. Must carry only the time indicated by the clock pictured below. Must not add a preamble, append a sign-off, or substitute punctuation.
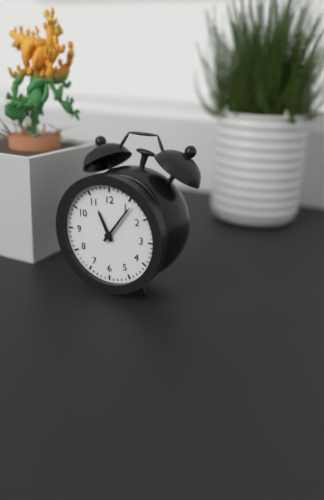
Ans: {"hour": 11, "minute": 6}
